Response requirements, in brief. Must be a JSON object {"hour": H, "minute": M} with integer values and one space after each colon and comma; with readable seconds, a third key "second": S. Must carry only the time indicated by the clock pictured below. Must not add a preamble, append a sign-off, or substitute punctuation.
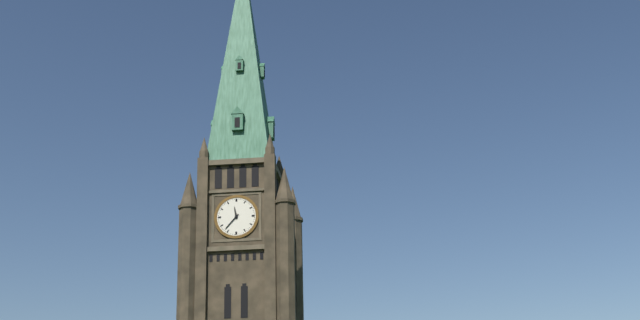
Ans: {"hour": 11, "minute": 37}
